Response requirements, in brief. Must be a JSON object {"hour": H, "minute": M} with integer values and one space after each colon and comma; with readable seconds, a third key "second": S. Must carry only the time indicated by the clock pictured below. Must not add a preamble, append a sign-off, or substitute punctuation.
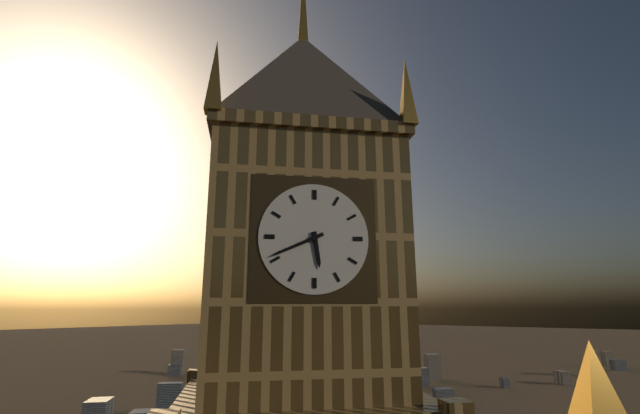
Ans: {"hour": 5, "minute": 41}
